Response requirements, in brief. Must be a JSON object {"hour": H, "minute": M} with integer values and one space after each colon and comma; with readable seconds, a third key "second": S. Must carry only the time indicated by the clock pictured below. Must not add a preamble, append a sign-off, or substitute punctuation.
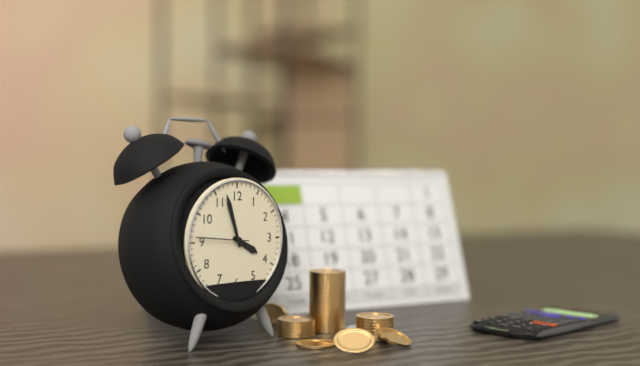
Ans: {"hour": 3, "minute": 57, "second": 46}
